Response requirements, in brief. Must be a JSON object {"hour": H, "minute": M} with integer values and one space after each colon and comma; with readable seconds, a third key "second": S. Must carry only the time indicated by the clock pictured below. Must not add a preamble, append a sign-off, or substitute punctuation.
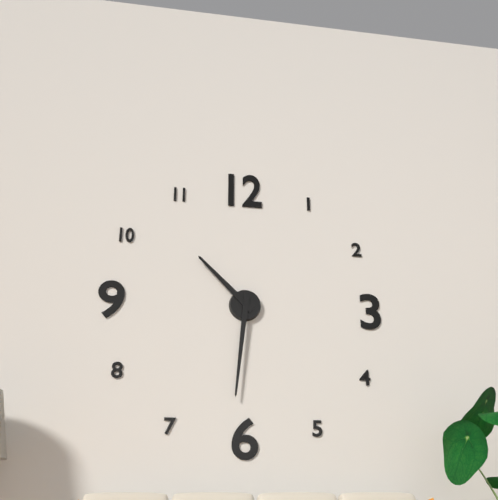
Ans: {"hour": 10, "minute": 31}
